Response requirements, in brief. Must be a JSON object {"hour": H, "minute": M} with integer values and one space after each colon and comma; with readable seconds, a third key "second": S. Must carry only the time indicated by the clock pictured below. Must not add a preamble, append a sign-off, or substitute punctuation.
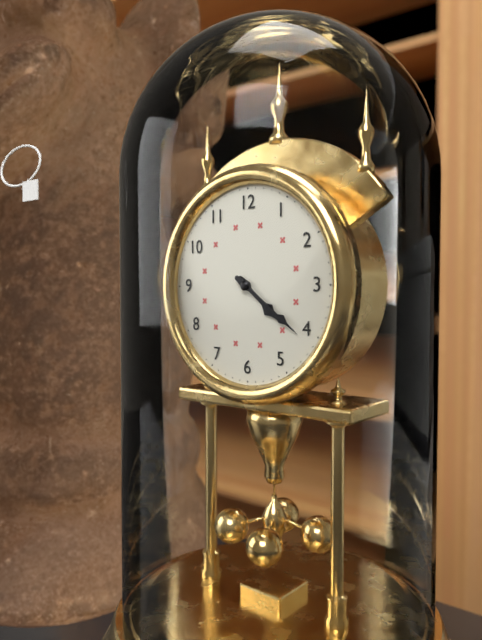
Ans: {"hour": 4, "minute": 21}
